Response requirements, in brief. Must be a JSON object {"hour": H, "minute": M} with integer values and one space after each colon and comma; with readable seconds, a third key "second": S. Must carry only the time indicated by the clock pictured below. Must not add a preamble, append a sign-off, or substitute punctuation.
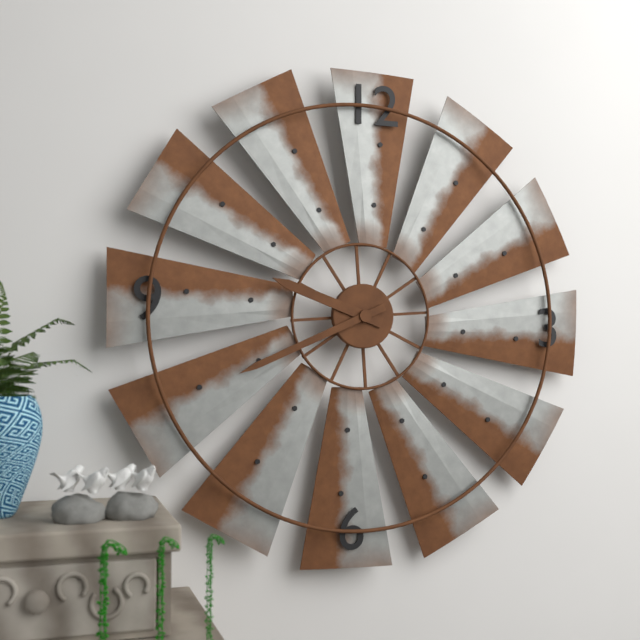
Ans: {"hour": 9, "minute": 41}
